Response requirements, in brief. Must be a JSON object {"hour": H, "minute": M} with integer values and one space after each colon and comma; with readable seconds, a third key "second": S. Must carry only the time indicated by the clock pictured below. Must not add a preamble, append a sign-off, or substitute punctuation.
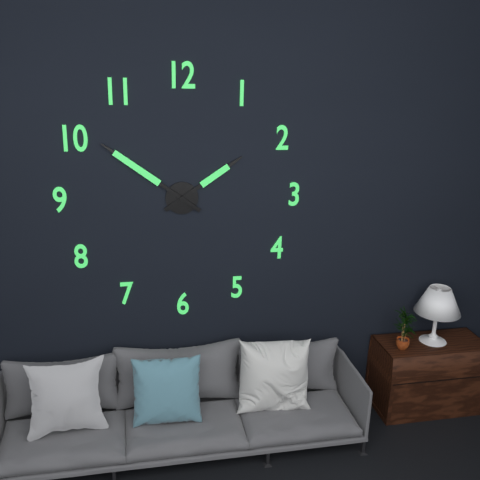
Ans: {"hour": 1, "minute": 51}
